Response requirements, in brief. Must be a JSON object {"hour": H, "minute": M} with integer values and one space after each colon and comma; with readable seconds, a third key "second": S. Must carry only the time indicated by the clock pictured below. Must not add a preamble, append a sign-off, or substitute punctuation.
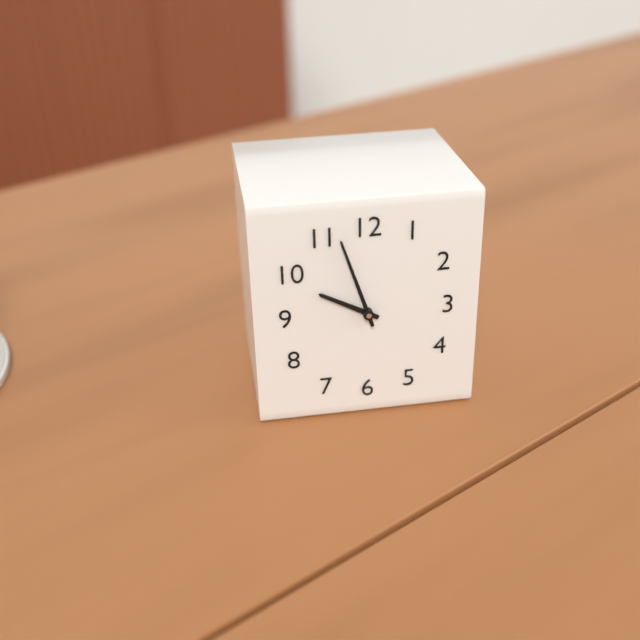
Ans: {"hour": 9, "minute": 57}
